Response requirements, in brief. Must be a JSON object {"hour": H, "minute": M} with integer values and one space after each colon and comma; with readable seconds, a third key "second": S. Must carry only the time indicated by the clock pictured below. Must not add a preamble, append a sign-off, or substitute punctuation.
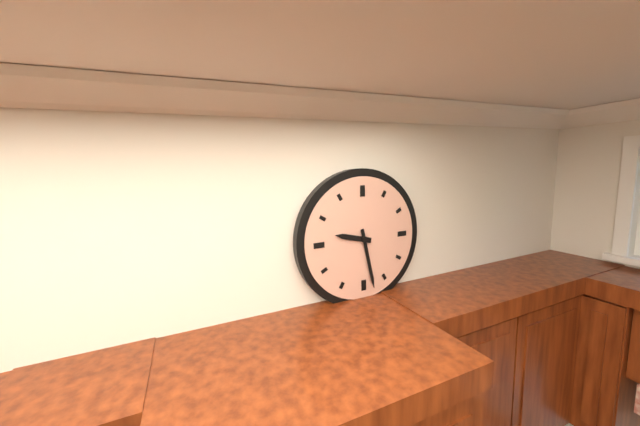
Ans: {"hour": 9, "minute": 28}
